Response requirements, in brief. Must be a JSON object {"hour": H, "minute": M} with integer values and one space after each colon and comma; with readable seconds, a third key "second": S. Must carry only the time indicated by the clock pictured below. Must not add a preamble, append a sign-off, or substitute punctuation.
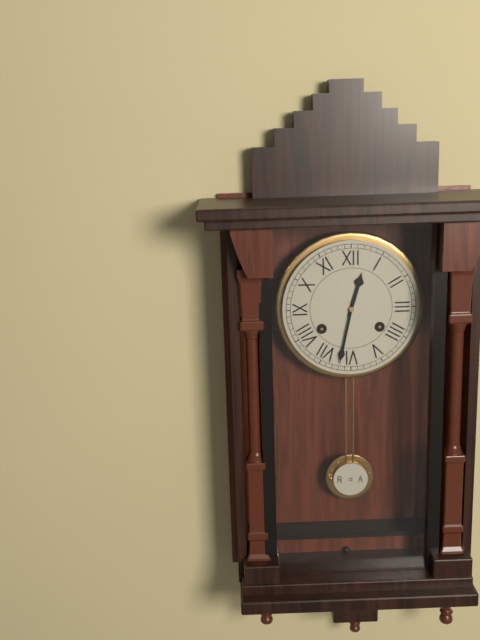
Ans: {"hour": 12, "minute": 32}
